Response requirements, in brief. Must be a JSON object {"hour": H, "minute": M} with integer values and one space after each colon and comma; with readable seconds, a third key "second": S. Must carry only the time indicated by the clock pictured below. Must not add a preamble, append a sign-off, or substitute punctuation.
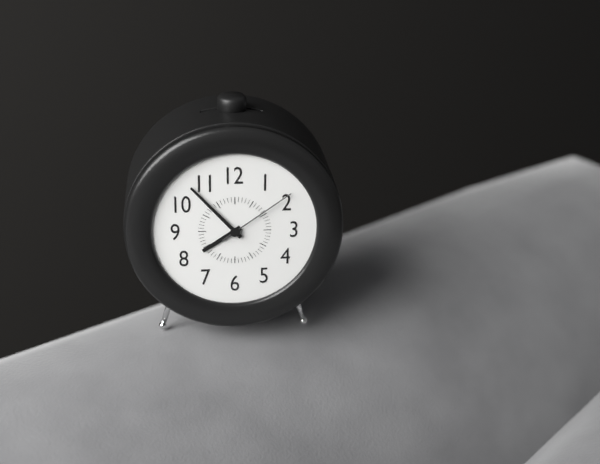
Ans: {"hour": 7, "minute": 53, "second": 9}
